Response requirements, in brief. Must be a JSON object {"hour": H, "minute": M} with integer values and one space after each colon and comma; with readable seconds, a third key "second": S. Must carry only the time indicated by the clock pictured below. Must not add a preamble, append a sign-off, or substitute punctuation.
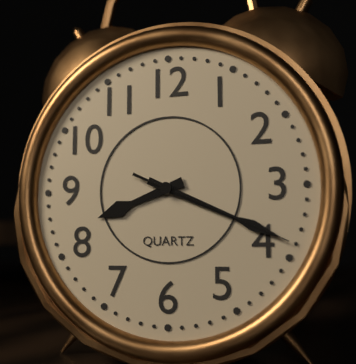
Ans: {"hour": 8, "minute": 19, "second": 19}
